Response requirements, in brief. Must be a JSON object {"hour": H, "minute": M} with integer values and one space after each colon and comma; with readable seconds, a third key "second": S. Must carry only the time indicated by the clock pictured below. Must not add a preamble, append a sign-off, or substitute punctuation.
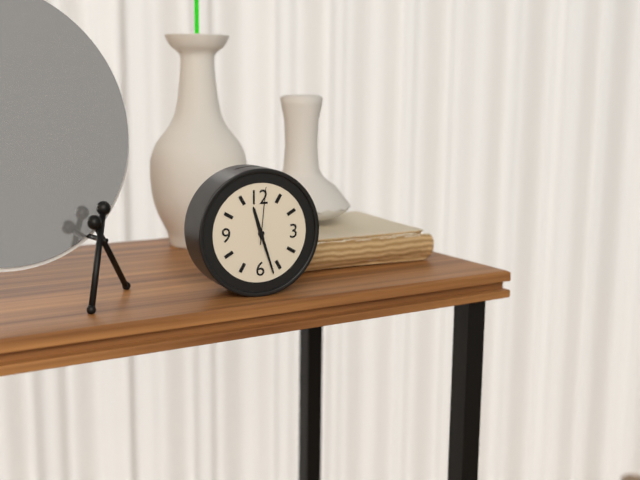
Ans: {"hour": 11, "minute": 27, "second": 1}
